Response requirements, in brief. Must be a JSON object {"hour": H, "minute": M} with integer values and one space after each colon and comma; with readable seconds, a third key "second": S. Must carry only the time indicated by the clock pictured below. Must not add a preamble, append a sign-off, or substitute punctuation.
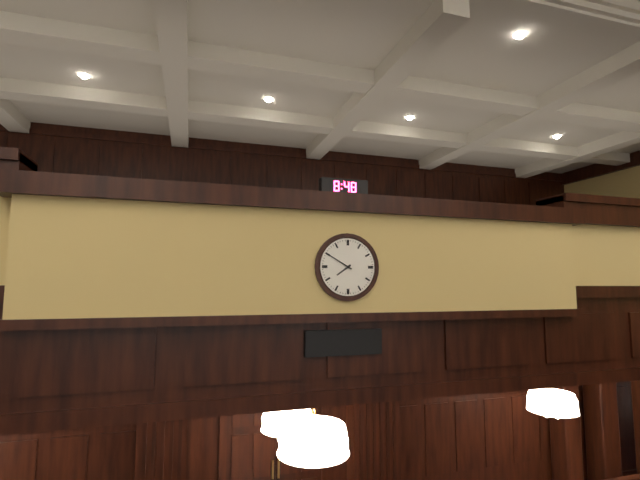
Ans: {"hour": 7, "minute": 50}
